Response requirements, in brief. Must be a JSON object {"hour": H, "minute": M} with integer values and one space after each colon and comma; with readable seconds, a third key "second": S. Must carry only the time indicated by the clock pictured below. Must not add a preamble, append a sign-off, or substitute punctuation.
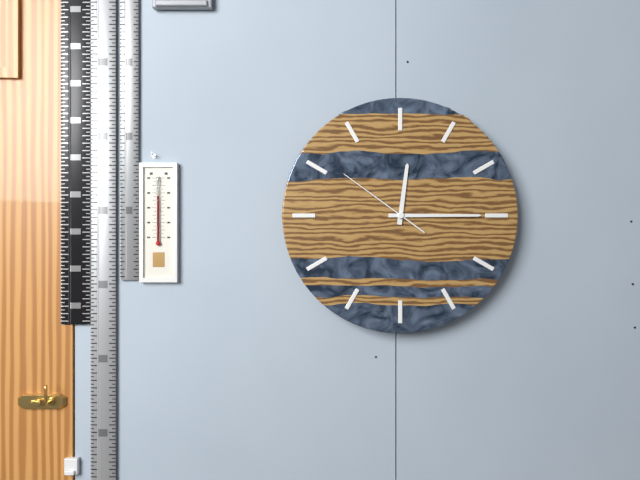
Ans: {"hour": 12, "minute": 15, "second": 51}
